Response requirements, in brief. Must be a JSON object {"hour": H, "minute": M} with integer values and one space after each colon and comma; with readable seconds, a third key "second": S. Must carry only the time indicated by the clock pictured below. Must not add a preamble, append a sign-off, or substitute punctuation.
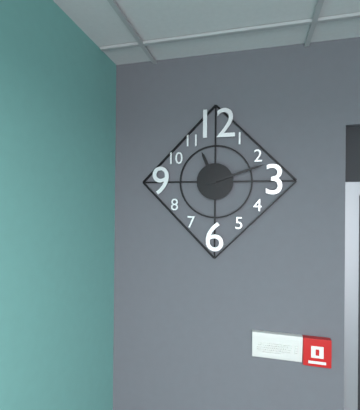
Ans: {"hour": 11, "minute": 12}
